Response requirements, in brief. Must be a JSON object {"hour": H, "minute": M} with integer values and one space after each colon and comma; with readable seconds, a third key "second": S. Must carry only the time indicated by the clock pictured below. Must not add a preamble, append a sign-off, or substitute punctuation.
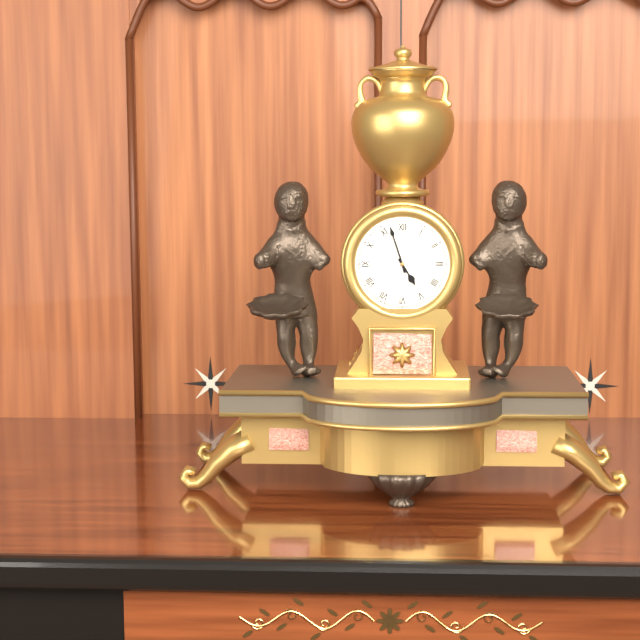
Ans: {"hour": 4, "minute": 57}
